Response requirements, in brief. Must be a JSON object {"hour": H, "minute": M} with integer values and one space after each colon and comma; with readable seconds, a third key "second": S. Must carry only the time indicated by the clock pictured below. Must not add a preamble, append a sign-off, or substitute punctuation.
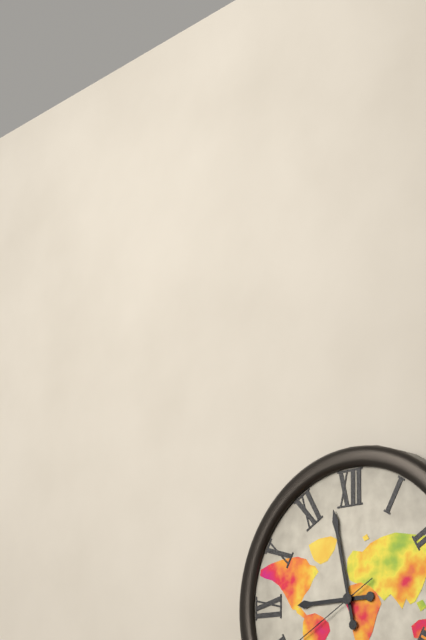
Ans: {"hour": 8, "minute": 58}
